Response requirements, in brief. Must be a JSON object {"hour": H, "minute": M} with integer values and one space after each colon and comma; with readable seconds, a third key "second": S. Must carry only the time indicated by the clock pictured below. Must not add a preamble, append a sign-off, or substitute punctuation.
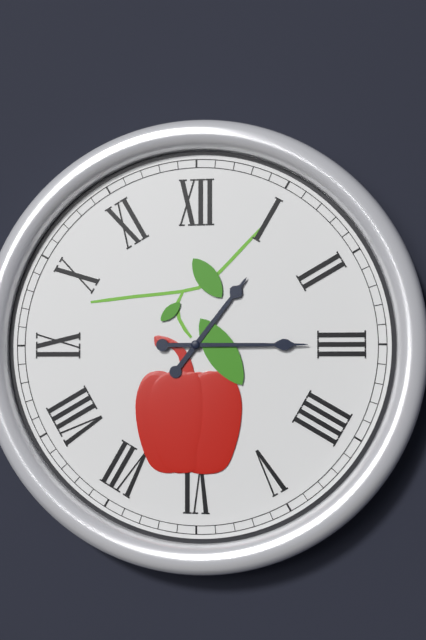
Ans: {"hour": 1, "minute": 15}
